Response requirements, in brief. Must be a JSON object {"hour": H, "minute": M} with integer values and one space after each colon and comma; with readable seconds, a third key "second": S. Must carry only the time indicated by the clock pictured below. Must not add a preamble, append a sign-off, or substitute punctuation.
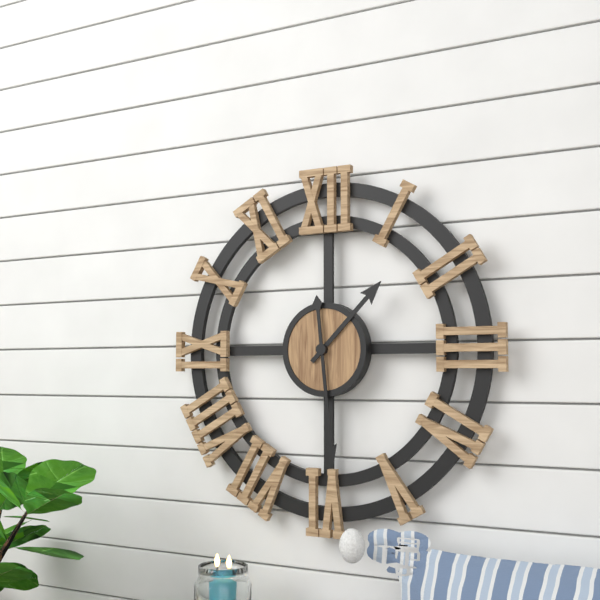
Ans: {"hour": 1, "minute": 29}
